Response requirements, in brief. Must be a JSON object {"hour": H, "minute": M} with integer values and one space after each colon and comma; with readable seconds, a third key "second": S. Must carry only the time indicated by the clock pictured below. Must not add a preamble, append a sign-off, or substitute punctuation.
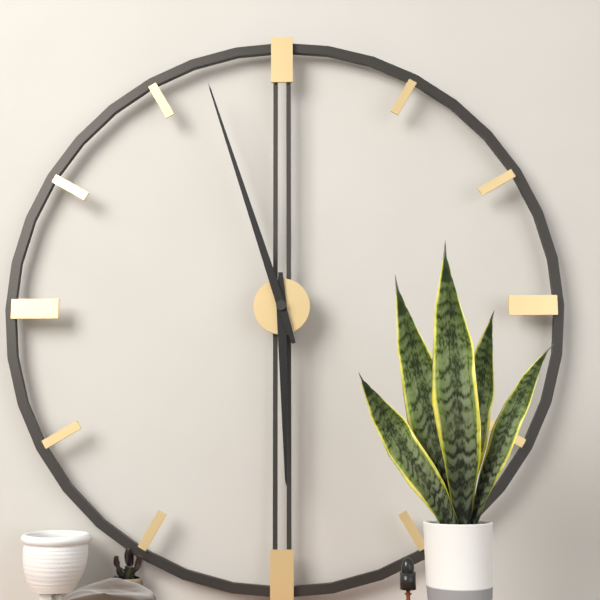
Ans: {"hour": 5, "minute": 57}
